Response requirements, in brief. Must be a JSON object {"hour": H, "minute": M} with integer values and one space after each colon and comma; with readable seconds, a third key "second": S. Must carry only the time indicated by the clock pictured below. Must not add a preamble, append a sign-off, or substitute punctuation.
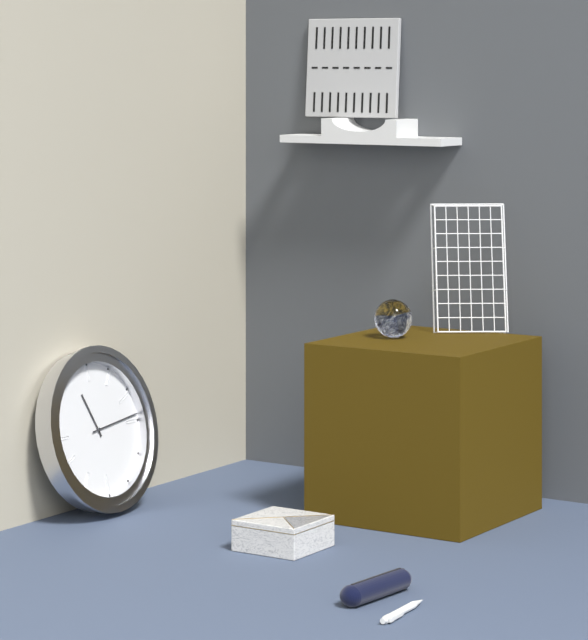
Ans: {"hour": 11, "minute": 14}
